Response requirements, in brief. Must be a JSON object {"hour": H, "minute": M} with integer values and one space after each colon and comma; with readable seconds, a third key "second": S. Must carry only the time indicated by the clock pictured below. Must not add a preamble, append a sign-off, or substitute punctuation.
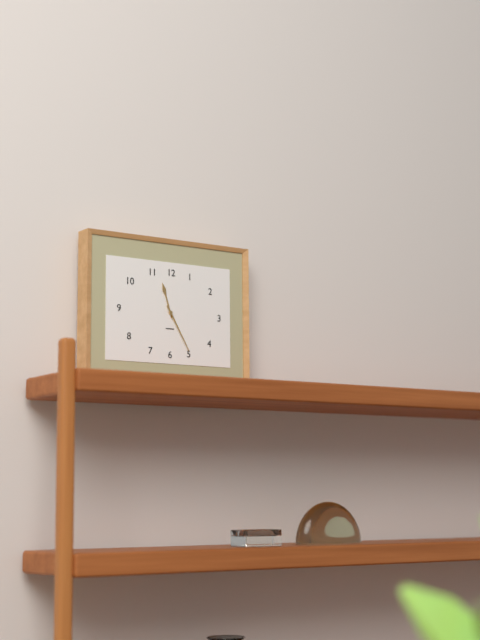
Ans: {"hour": 11, "minute": 25}
